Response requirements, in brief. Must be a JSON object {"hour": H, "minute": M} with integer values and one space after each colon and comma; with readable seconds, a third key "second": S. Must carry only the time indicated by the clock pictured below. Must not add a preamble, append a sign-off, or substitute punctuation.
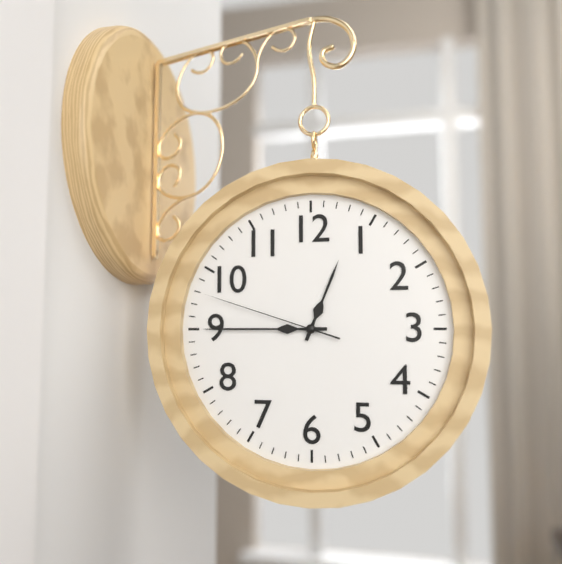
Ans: {"hour": 12, "minute": 45, "second": 48}
